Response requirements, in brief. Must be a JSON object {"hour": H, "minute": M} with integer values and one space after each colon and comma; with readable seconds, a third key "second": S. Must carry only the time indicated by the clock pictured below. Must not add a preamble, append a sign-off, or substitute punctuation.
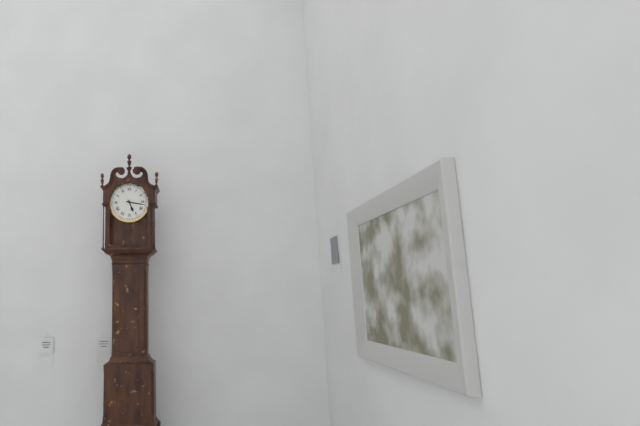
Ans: {"hour": 5, "minute": 17}
